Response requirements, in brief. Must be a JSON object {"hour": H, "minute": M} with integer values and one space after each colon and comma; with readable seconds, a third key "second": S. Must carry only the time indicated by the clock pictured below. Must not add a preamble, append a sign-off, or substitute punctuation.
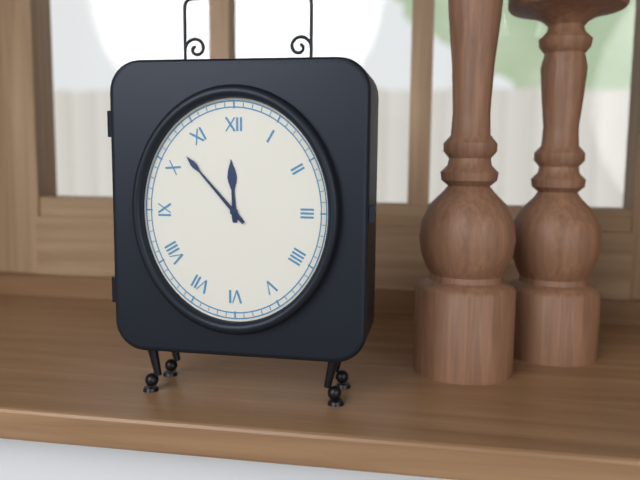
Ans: {"hour": 11, "minute": 53}
